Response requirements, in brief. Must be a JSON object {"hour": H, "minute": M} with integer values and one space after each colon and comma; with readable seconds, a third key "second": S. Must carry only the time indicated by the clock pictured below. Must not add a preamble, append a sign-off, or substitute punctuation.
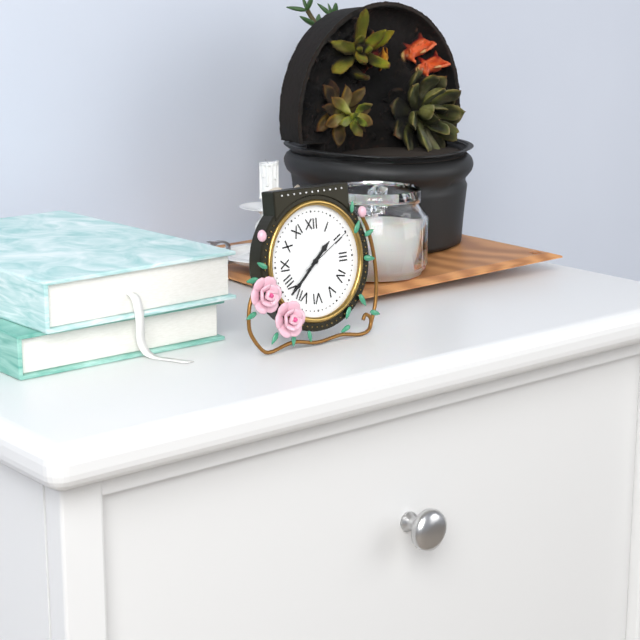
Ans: {"hour": 1, "minute": 38, "second": 10}
